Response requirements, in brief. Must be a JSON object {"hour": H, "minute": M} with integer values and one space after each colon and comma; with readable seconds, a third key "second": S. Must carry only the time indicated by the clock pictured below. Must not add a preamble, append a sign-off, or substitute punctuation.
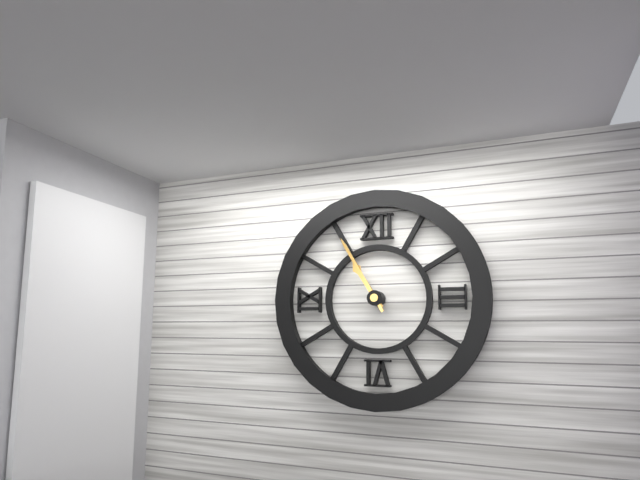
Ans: {"hour": 10, "minute": 55}
